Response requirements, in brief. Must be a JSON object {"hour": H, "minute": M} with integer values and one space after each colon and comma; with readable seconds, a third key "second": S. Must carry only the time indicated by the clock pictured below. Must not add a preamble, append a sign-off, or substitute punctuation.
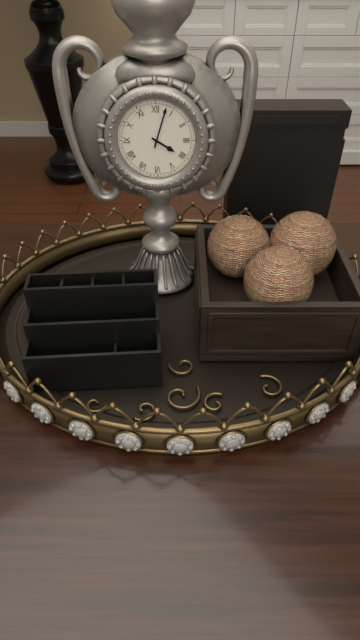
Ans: {"hour": 4, "minute": 3}
